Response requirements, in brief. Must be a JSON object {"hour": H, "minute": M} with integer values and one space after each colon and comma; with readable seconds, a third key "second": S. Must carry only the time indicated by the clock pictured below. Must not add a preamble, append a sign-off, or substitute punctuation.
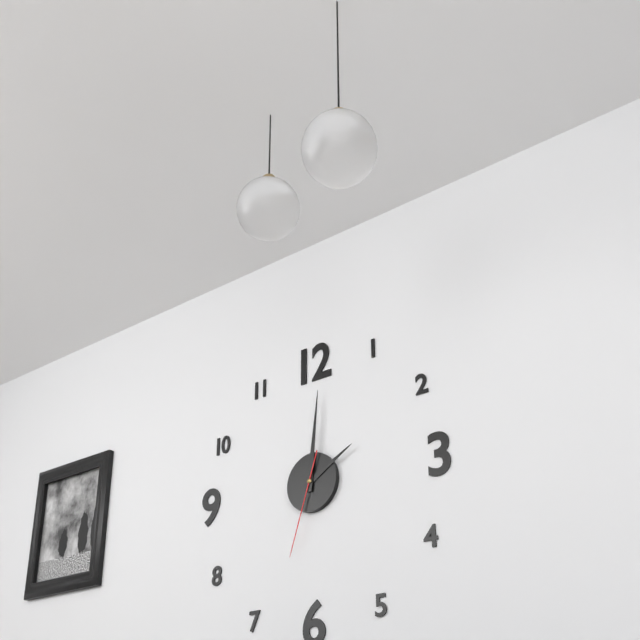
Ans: {"hour": 2, "minute": 1, "second": 33}
